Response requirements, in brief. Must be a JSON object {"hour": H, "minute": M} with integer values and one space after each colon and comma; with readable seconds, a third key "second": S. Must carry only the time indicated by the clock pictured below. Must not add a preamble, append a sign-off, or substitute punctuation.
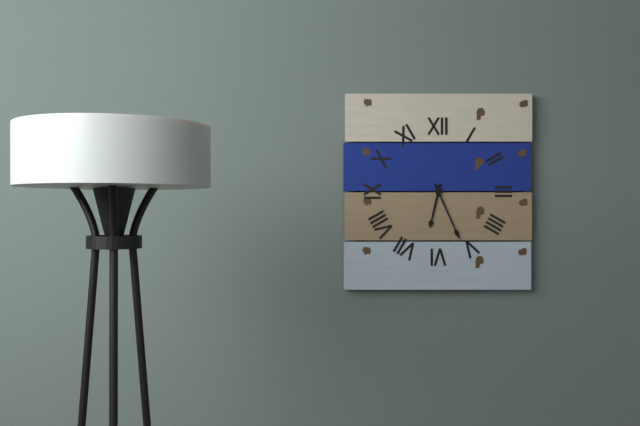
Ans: {"hour": 6, "minute": 26}
